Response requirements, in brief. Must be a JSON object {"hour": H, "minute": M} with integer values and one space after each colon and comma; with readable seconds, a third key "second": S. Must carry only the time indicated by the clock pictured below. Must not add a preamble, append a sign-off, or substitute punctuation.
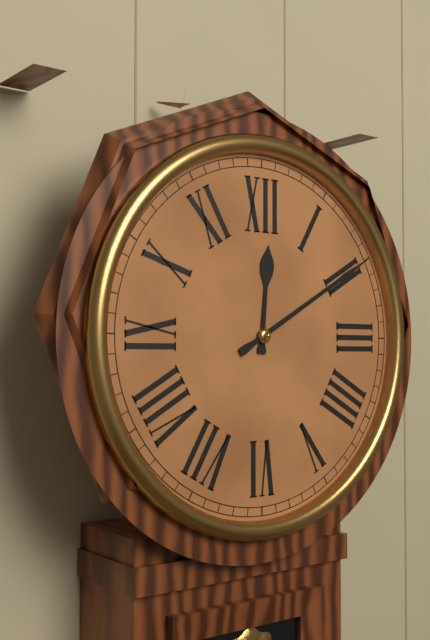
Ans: {"hour": 12, "minute": 10}
